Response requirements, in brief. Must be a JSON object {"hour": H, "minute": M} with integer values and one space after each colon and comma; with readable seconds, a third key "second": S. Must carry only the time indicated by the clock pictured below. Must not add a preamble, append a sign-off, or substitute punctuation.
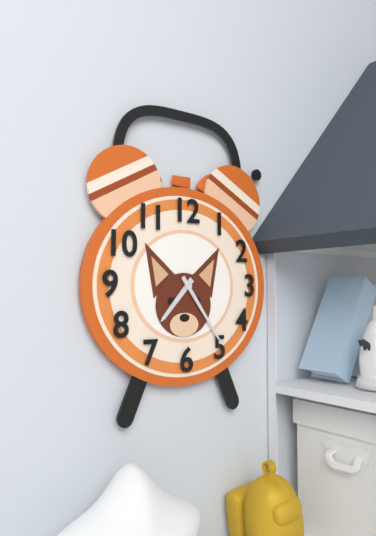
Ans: {"hour": 7, "minute": 24}
